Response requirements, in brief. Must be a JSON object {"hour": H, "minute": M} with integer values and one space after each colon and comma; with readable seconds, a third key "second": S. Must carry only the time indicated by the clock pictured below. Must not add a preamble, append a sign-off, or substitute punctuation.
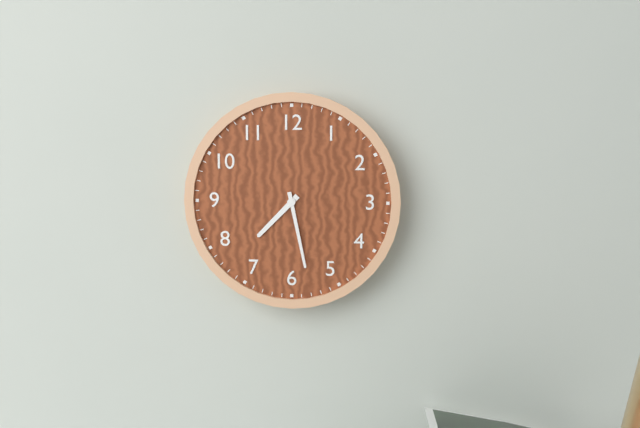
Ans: {"hour": 7, "minute": 28}
